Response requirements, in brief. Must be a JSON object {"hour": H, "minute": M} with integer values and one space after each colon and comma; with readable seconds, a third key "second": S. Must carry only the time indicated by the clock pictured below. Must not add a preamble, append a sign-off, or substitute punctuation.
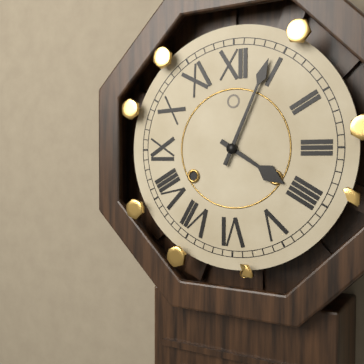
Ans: {"hour": 4, "minute": 4}
